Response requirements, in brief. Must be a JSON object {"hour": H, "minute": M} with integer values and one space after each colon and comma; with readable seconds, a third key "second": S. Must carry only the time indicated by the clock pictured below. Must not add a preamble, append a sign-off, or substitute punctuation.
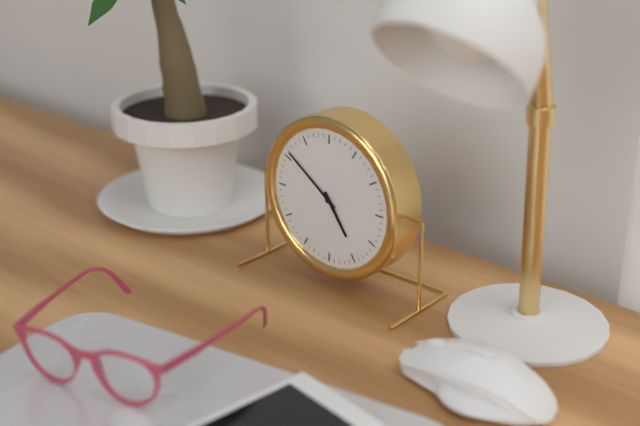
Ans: {"hour": 4, "minute": 51}
